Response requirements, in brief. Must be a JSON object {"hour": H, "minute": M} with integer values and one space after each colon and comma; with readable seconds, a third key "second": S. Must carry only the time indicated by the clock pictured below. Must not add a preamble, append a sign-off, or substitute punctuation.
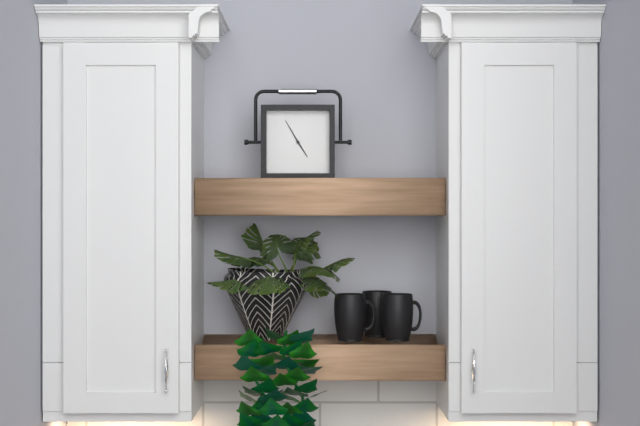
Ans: {"hour": 4, "minute": 55}
